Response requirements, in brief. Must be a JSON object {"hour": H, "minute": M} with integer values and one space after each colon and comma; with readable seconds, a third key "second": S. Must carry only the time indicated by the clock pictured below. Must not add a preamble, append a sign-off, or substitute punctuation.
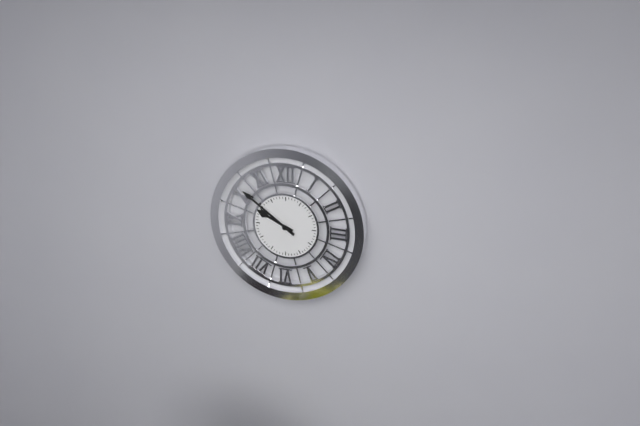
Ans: {"hour": 9, "minute": 51}
